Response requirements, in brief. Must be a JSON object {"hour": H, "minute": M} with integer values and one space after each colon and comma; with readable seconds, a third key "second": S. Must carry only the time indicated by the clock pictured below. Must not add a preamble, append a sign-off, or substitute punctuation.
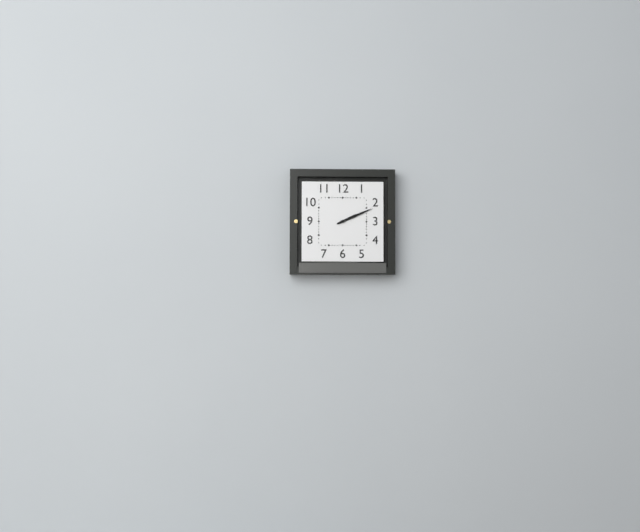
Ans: {"hour": 2, "minute": 11}
